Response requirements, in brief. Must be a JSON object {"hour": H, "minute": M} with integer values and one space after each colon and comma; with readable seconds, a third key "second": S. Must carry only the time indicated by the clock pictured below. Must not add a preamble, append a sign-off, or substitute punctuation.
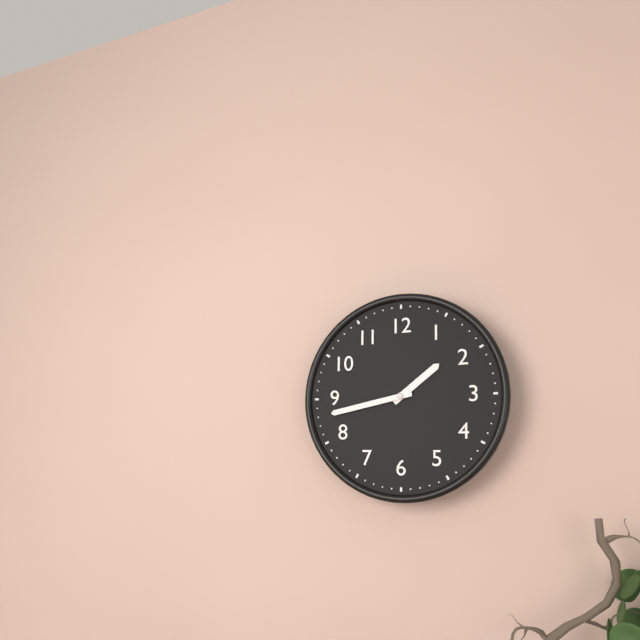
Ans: {"hour": 1, "minute": 43}
